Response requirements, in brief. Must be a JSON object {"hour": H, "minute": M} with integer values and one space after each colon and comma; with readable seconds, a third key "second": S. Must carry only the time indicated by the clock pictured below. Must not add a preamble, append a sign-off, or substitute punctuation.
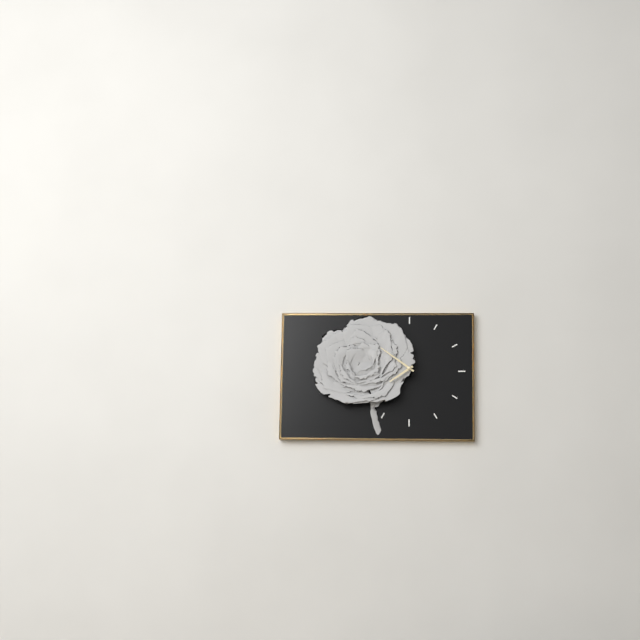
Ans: {"hour": 7, "minute": 51}
